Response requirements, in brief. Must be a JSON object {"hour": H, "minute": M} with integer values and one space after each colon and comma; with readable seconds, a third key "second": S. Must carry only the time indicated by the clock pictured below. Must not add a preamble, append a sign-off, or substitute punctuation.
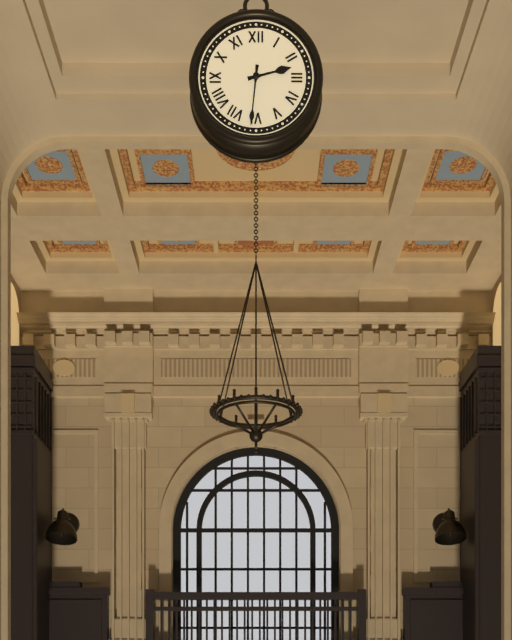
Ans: {"hour": 2, "minute": 31}
